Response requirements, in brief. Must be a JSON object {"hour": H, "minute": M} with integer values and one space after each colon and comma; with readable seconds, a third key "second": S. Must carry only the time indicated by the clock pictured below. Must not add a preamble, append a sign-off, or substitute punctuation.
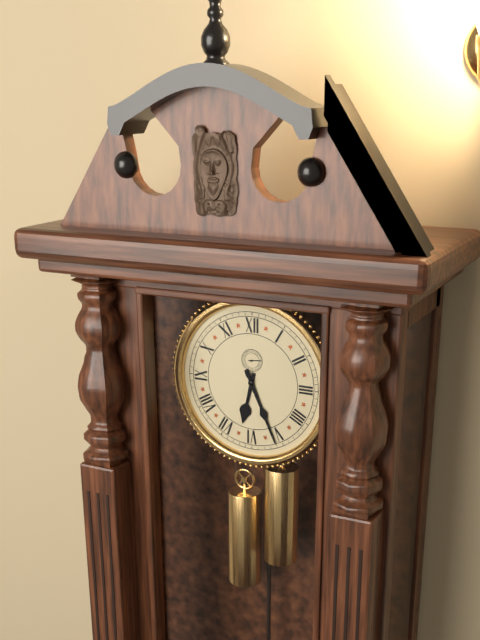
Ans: {"hour": 6, "minute": 26}
